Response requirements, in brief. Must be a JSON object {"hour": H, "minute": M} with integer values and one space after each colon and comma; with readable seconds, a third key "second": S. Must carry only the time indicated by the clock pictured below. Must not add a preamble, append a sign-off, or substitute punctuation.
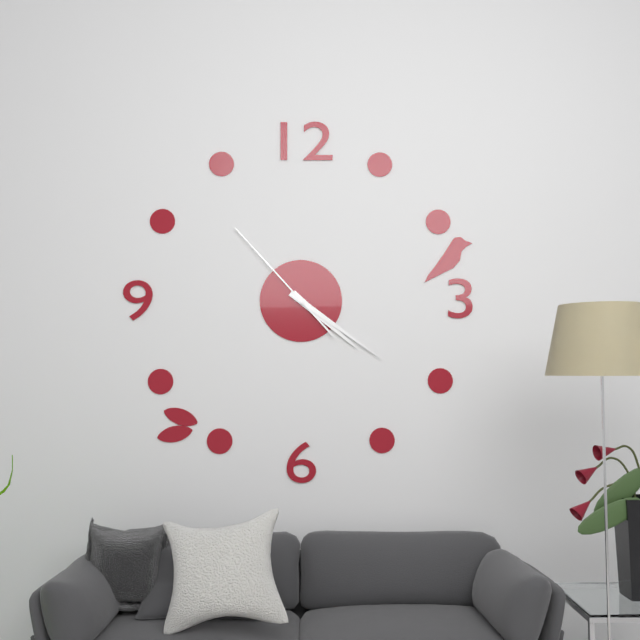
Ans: {"hour": 4, "minute": 21, "second": 53}
